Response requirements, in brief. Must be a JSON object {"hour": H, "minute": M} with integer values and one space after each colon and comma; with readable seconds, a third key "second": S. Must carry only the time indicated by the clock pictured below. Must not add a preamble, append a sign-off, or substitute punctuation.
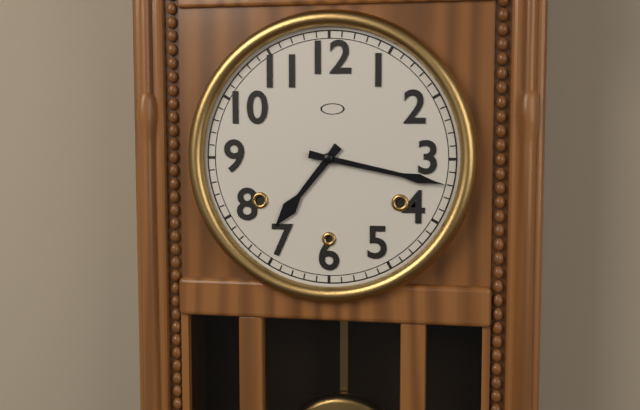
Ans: {"hour": 7, "minute": 17}
